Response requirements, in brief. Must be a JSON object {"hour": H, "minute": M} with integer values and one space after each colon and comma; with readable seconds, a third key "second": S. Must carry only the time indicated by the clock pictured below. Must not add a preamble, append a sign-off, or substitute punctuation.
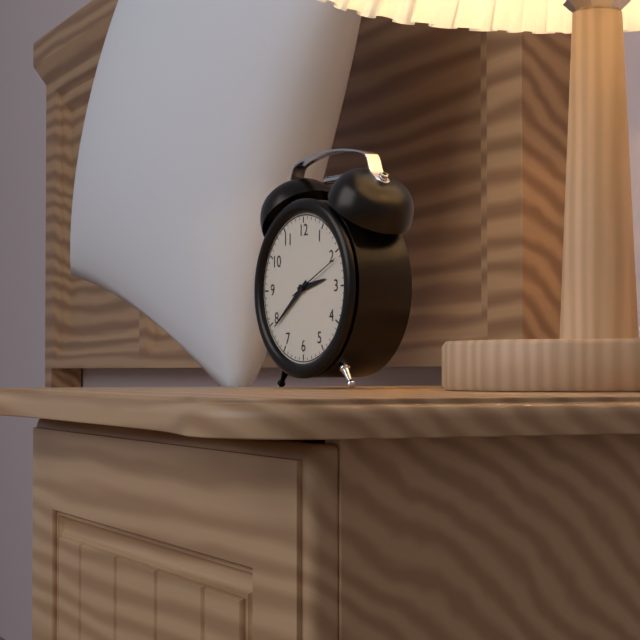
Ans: {"hour": 2, "minute": 39, "second": 11}
